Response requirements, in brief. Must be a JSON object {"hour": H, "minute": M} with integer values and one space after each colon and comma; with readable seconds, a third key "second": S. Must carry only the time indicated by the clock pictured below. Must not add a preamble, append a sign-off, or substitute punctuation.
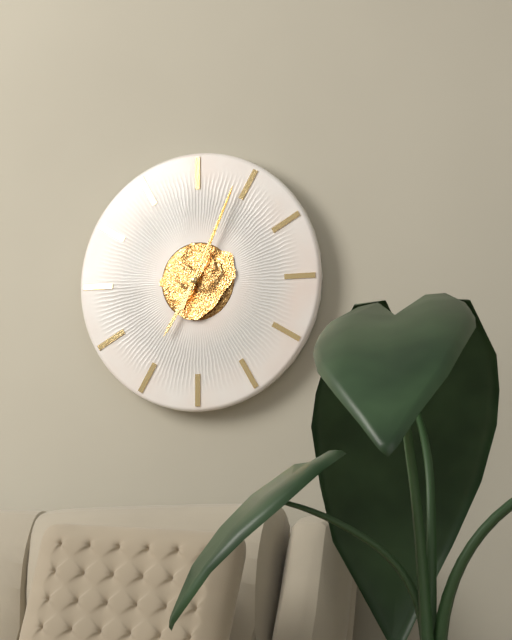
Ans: {"hour": 7, "minute": 4, "second": 4}
